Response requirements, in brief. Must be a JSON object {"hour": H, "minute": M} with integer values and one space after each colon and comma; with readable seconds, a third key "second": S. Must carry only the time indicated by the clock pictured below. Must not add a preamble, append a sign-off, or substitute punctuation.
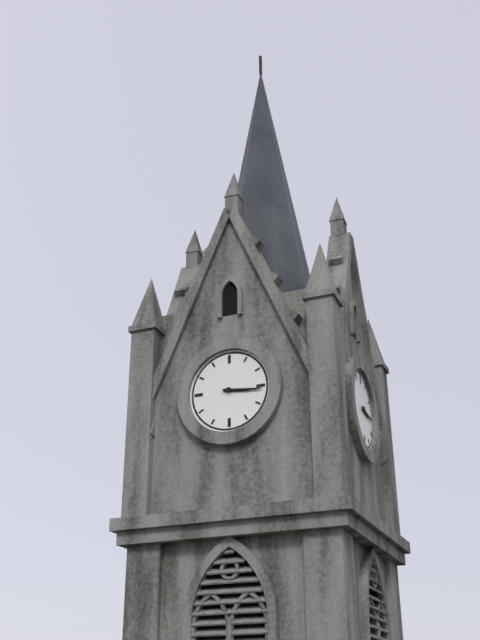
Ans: {"hour": 3, "minute": 16}
